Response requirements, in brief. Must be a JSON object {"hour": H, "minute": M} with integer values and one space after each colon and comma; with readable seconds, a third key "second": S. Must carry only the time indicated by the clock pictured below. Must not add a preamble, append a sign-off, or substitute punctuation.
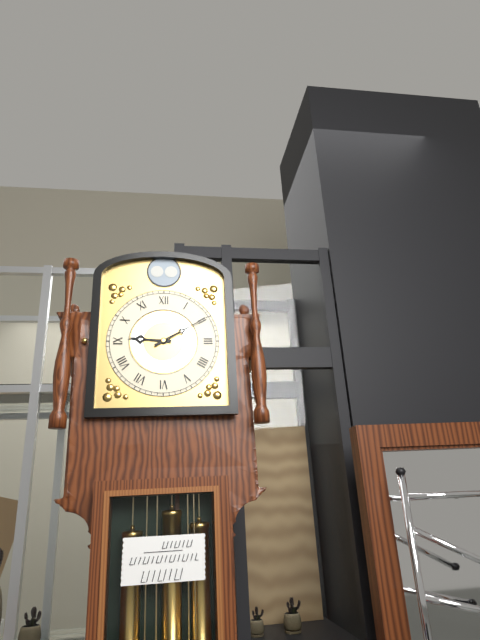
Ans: {"hour": 9, "minute": 10}
